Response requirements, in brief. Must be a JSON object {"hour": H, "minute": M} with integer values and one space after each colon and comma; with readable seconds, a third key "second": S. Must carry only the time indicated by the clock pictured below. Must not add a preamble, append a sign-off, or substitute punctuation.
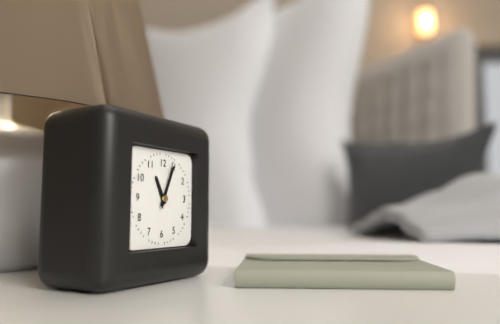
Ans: {"hour": 11, "minute": 4}
